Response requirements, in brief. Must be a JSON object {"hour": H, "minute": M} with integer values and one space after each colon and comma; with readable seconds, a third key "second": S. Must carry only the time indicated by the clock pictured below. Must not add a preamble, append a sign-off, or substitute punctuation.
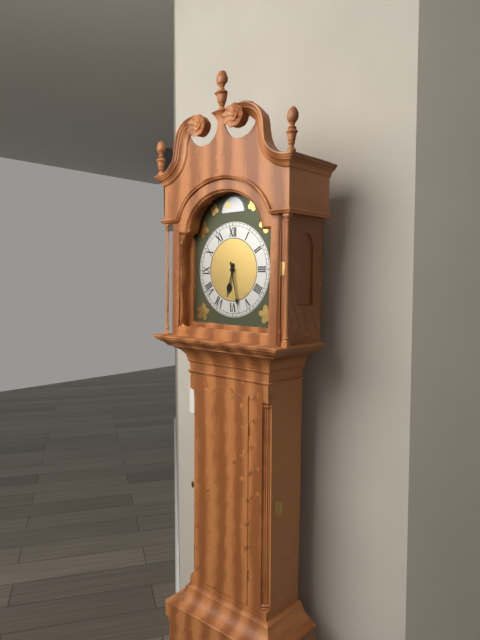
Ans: {"hour": 6, "minute": 28}
